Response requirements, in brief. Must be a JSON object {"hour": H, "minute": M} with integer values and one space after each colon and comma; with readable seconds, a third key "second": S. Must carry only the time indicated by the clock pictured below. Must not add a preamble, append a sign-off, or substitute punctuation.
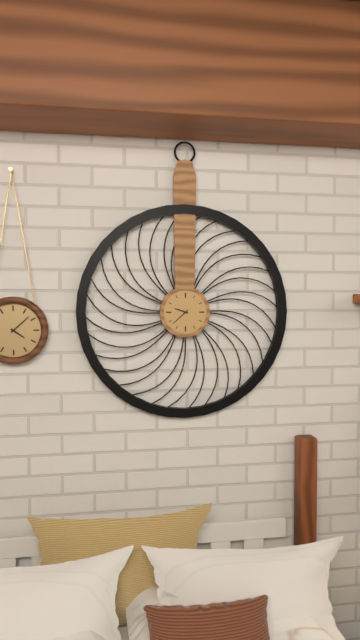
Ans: {"hour": 9, "minute": 38}
